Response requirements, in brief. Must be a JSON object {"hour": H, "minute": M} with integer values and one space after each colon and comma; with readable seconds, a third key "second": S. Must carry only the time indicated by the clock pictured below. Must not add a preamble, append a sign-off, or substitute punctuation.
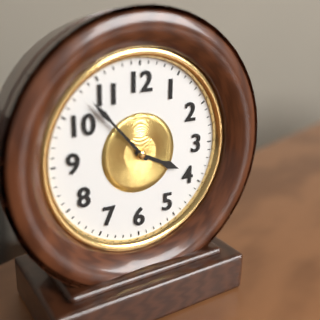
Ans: {"hour": 3, "minute": 53}
